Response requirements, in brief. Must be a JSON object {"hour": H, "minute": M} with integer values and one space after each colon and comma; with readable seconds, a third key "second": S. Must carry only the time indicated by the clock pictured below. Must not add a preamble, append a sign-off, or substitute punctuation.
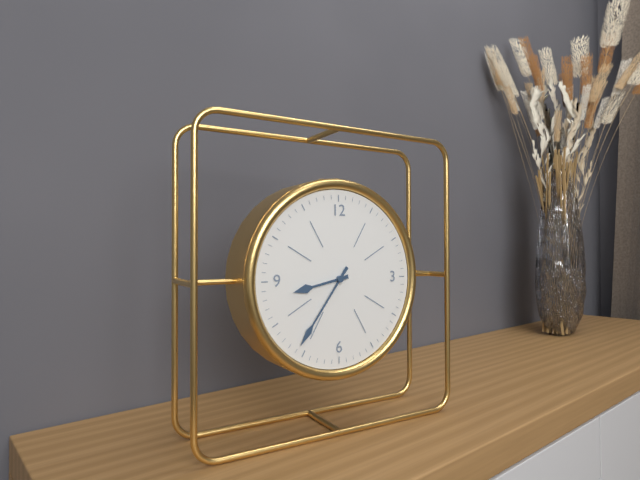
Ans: {"hour": 8, "minute": 36}
